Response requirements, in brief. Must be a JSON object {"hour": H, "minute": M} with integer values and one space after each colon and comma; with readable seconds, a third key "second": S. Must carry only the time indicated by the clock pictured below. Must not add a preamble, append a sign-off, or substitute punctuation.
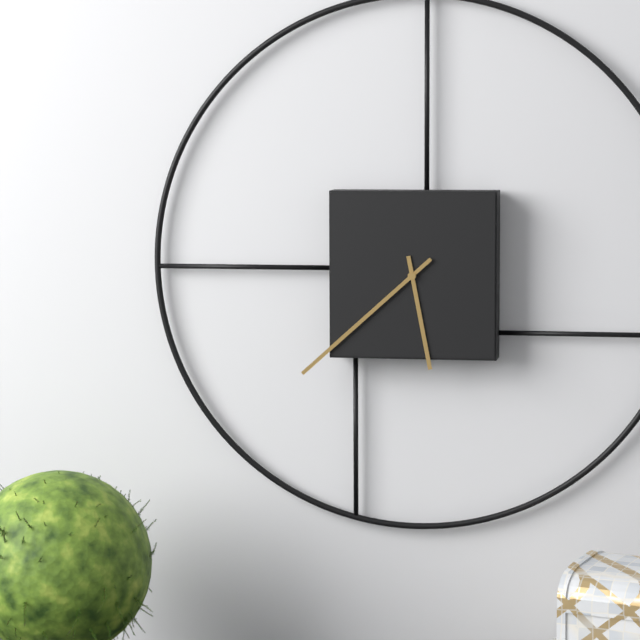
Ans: {"hour": 5, "minute": 38}
